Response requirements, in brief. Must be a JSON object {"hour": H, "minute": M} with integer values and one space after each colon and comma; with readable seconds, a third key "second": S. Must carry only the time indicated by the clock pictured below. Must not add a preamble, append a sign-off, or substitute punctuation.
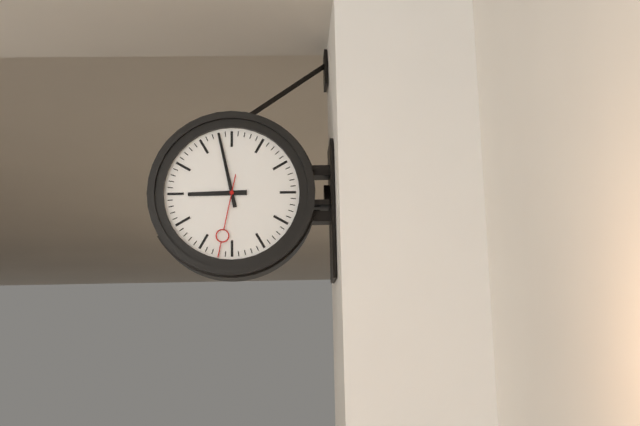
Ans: {"hour": 8, "minute": 58, "second": 32}
